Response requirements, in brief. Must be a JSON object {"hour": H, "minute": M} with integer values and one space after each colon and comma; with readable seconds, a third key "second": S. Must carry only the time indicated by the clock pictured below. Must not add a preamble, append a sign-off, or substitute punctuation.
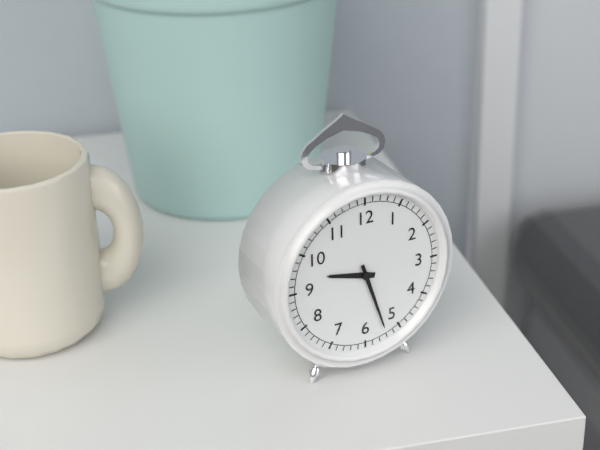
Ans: {"hour": 9, "minute": 27}
